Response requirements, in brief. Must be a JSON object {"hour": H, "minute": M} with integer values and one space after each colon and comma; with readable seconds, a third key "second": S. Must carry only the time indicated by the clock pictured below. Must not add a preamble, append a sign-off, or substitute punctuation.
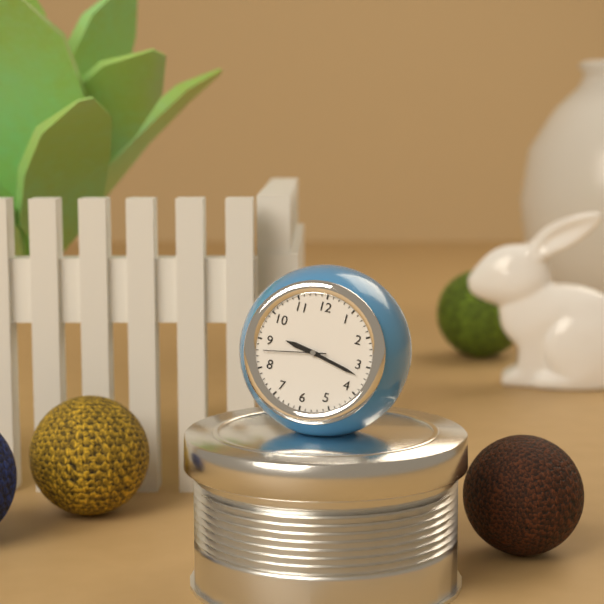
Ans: {"hour": 9, "minute": 17, "second": 43}
